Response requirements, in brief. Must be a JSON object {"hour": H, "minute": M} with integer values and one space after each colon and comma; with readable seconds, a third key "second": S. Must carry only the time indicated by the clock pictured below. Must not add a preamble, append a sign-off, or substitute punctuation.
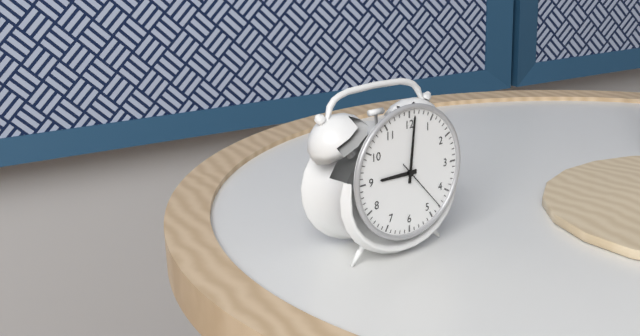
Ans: {"hour": 9, "minute": 1, "second": 23}
